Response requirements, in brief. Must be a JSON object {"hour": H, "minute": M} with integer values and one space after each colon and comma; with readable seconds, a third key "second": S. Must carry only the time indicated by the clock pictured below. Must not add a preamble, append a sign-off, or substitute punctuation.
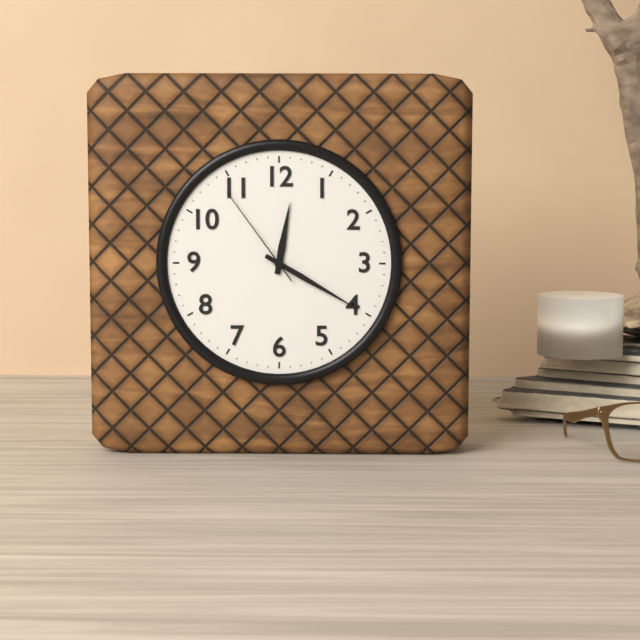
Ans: {"hour": 12, "minute": 20, "second": 54}
